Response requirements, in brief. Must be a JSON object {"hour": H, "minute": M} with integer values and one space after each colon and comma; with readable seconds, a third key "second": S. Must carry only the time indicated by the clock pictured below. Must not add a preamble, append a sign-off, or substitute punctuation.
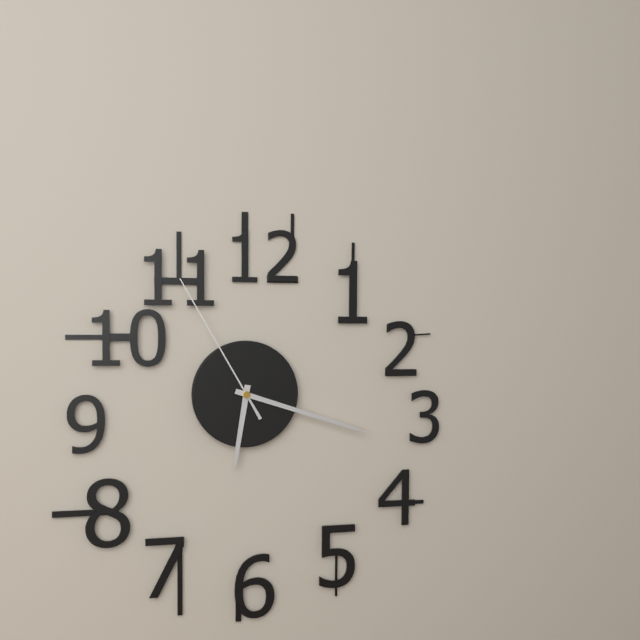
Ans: {"hour": 6, "minute": 18, "second": 55}
